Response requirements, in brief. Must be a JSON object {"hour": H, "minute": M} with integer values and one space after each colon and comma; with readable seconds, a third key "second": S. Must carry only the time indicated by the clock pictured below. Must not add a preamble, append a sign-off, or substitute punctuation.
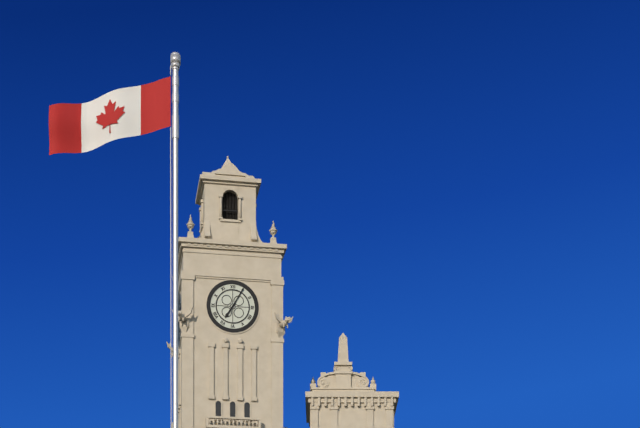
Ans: {"hour": 7, "minute": 5}
